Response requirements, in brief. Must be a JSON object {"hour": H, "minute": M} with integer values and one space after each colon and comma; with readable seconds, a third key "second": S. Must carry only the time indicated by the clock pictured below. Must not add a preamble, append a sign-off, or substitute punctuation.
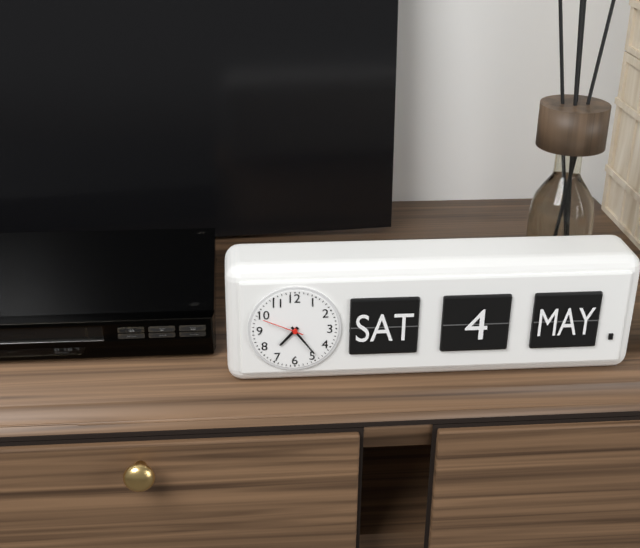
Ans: {"hour": 7, "minute": 24}
